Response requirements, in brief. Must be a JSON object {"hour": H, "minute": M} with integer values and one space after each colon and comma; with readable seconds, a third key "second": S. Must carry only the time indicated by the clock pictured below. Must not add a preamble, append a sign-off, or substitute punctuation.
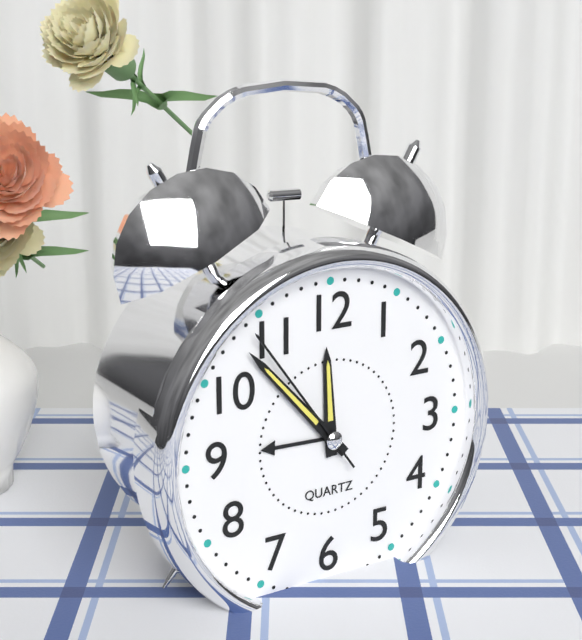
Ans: {"hour": 11, "minute": 53, "second": 54}
